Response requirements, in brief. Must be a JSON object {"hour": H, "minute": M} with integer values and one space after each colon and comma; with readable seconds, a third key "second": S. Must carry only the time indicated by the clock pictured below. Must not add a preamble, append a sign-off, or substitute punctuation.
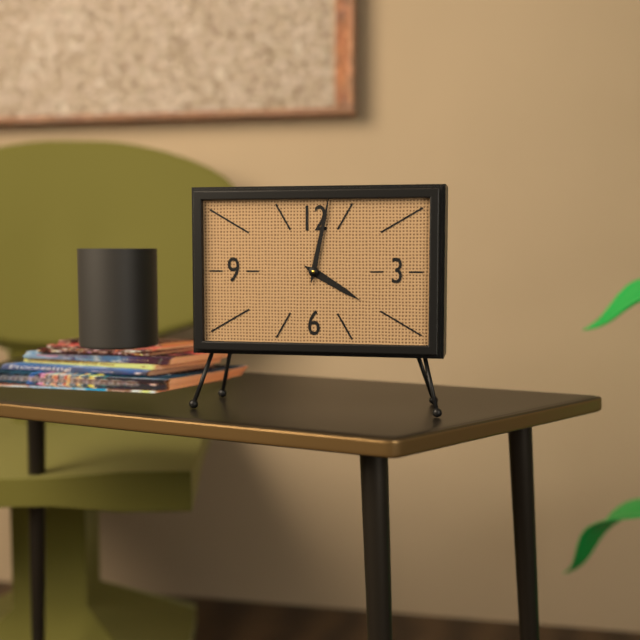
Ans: {"hour": 4, "minute": 2}
